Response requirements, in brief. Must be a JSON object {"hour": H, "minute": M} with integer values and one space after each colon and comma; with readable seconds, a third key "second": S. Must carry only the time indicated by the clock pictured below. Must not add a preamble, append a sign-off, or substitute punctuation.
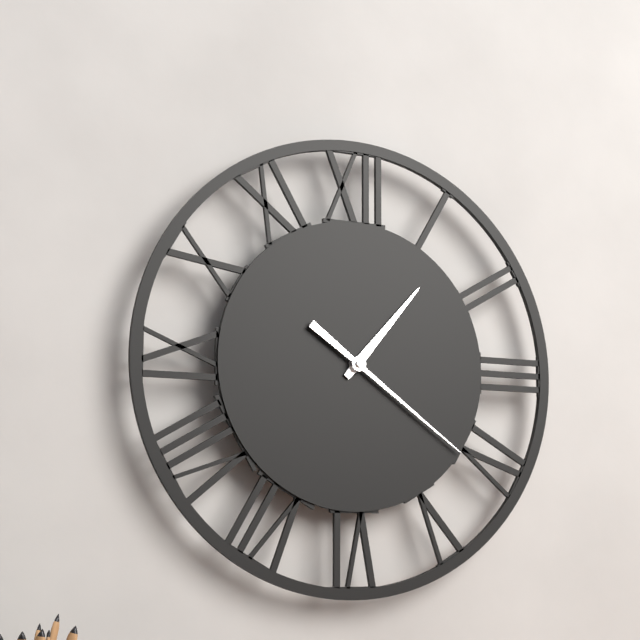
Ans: {"hour": 1, "minute": 21}
